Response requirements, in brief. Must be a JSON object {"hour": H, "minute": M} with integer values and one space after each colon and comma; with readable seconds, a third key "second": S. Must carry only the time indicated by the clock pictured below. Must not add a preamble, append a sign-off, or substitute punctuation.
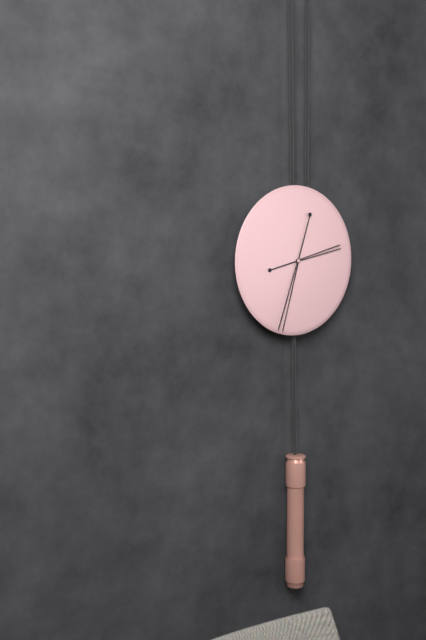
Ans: {"hour": 2, "minute": 33}
